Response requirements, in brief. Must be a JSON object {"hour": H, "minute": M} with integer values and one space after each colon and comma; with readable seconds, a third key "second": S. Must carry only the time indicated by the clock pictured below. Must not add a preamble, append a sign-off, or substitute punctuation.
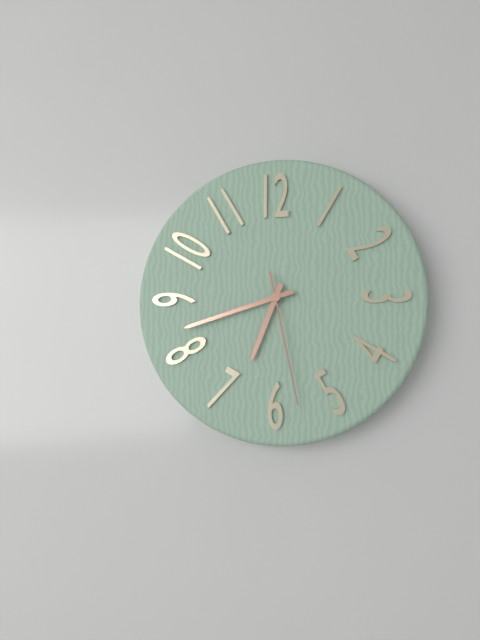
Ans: {"hour": 6, "minute": 42, "second": 28}
